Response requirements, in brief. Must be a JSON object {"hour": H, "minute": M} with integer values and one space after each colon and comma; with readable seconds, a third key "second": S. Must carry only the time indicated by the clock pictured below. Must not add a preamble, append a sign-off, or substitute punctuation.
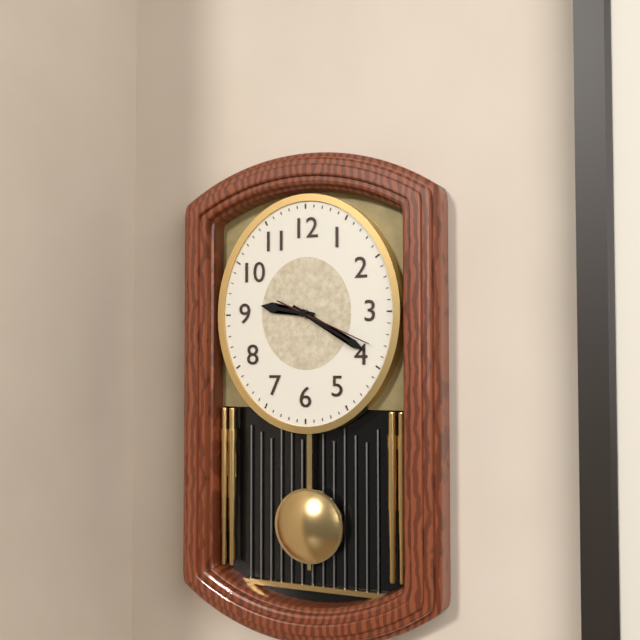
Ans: {"hour": 9, "minute": 20, "second": 19}
